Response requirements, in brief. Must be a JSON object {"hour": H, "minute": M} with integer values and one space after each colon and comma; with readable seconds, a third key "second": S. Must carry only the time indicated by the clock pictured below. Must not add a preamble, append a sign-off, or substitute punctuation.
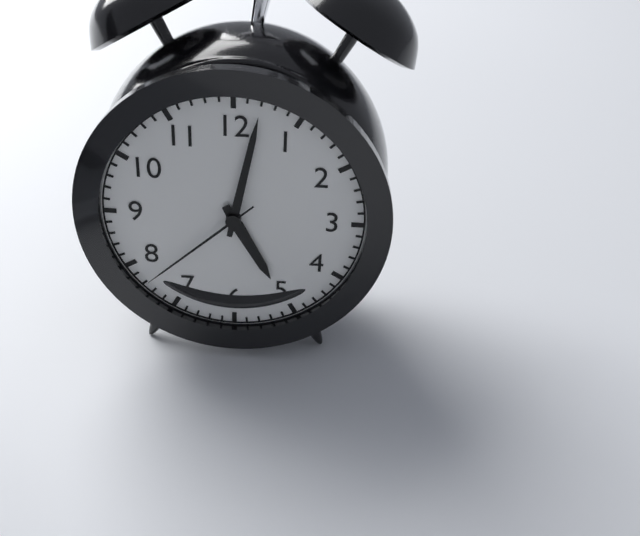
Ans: {"hour": 5, "minute": 2, "second": 38}
